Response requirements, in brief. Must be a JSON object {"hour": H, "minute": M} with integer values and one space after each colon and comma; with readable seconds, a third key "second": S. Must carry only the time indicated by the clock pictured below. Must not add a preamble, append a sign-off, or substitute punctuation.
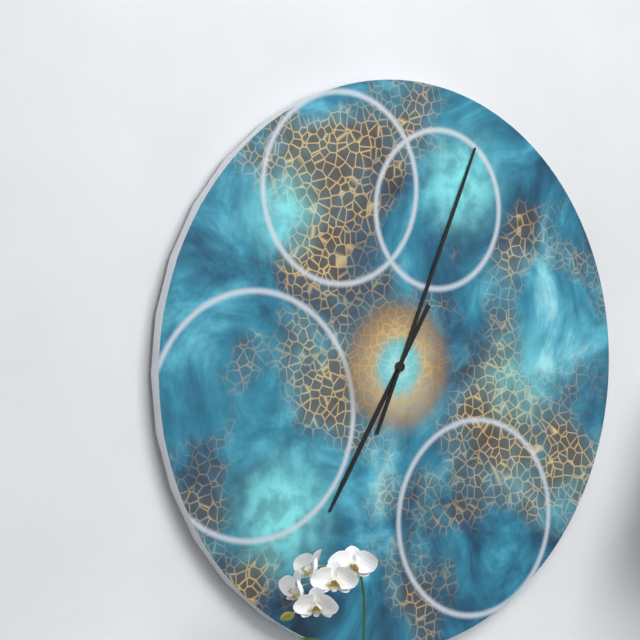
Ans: {"hour": 7, "minute": 4}
